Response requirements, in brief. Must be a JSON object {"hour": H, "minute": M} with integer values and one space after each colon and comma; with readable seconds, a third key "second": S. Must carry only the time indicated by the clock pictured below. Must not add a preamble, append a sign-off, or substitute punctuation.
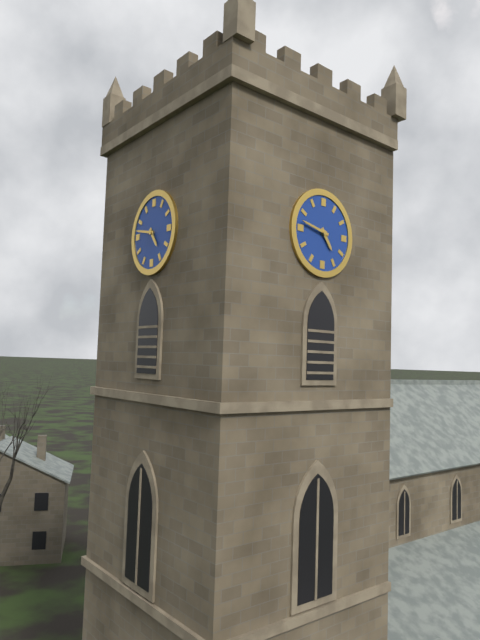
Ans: {"hour": 4, "minute": 47}
